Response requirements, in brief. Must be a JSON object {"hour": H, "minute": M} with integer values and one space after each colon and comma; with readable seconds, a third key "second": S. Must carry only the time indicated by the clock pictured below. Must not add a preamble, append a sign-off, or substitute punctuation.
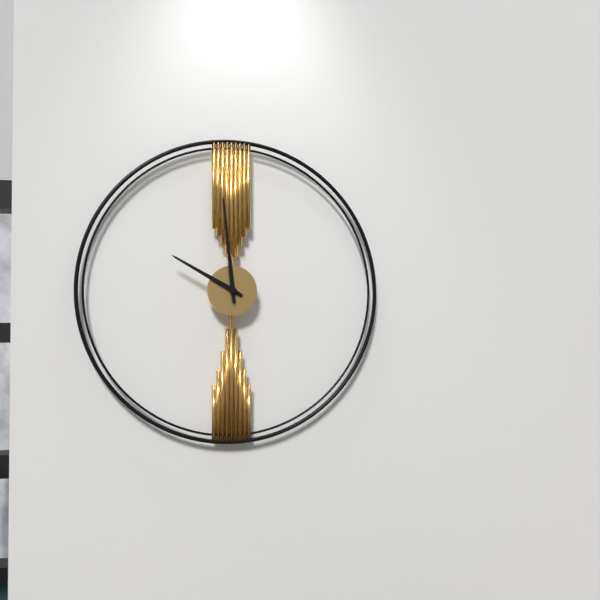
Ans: {"hour": 9, "minute": 59}
